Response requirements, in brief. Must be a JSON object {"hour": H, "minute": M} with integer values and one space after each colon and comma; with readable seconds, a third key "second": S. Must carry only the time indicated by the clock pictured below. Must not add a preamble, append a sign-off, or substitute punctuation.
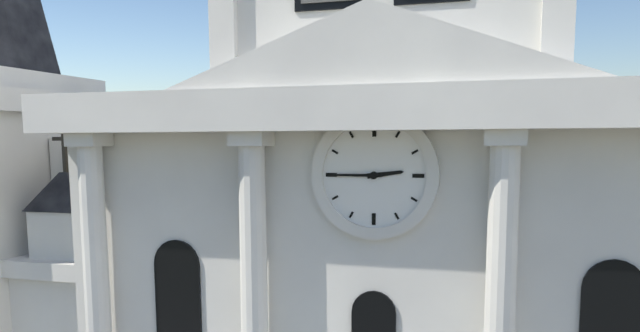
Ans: {"hour": 2, "minute": 45}
